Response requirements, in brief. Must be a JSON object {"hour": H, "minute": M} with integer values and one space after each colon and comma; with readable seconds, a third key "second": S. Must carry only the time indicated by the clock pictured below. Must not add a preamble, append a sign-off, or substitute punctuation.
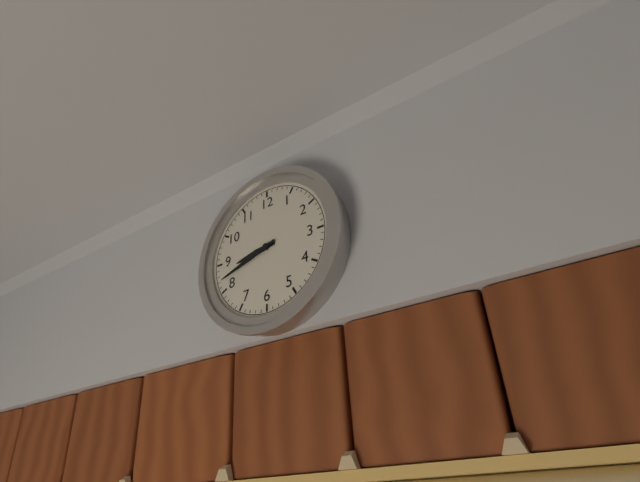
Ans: {"hour": 8, "minute": 42}
